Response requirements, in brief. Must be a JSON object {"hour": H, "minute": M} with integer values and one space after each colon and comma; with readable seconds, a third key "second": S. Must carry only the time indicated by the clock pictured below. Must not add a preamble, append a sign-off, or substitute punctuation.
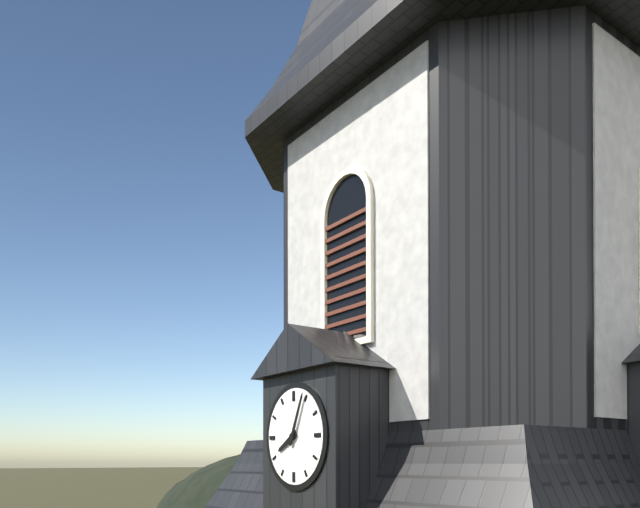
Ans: {"hour": 8, "minute": 4}
